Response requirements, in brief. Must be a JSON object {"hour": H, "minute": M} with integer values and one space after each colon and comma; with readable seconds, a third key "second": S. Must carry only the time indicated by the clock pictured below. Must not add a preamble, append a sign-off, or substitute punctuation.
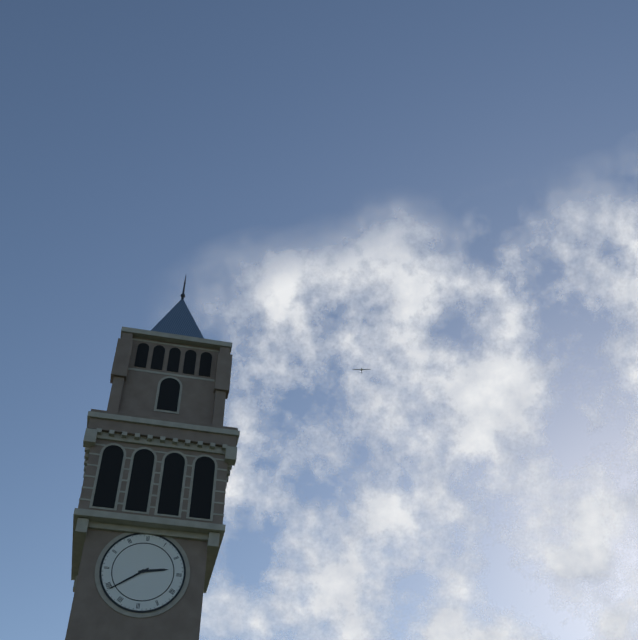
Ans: {"hour": 2, "minute": 39}
